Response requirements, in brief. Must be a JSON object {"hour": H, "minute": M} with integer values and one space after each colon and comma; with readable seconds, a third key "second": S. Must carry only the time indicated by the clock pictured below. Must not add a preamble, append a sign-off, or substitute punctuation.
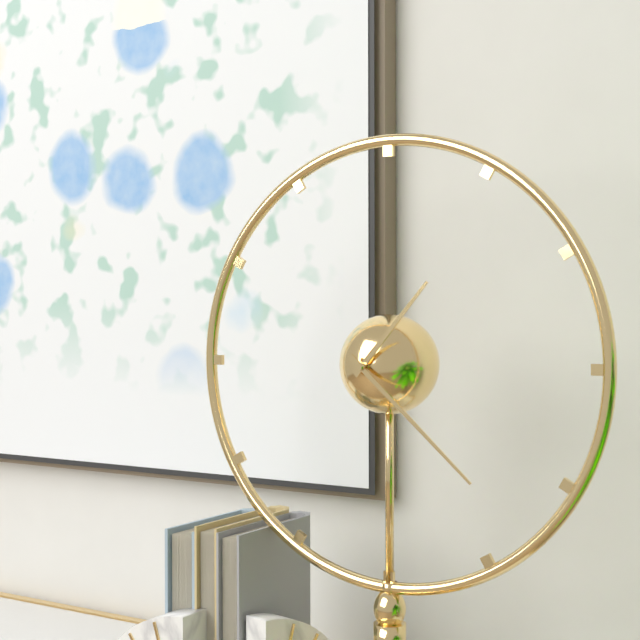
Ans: {"hour": 1, "minute": 22}
